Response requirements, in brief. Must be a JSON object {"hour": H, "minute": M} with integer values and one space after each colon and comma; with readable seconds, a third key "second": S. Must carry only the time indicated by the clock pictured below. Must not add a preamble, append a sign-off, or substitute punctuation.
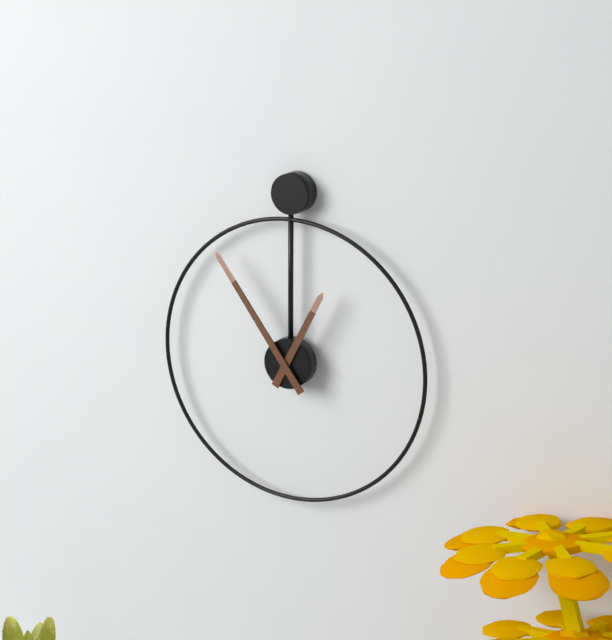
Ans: {"hour": 12, "minute": 54}
